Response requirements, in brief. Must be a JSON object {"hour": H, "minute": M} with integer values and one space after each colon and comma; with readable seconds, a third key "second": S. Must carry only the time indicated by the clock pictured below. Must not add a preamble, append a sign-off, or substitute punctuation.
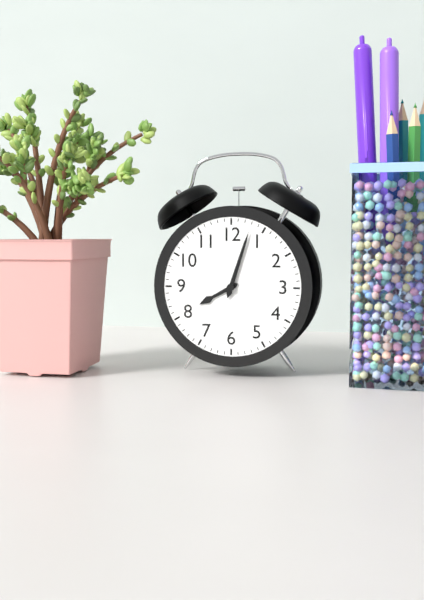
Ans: {"hour": 8, "minute": 3}
